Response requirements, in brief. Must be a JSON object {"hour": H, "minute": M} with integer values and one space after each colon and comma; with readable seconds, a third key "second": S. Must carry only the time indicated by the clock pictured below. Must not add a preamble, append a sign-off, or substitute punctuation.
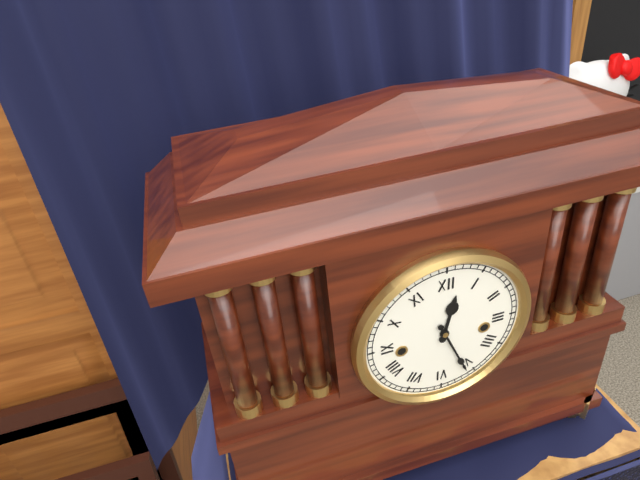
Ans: {"hour": 12, "minute": 26}
